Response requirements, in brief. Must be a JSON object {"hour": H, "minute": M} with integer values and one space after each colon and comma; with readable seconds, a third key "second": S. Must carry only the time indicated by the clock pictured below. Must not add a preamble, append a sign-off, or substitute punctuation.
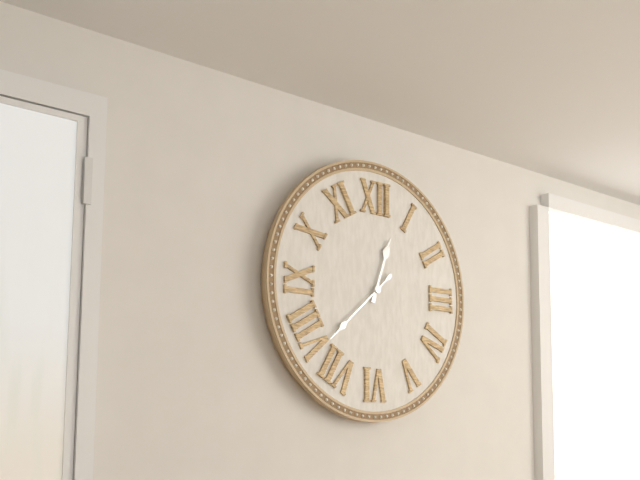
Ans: {"hour": 12, "minute": 38}
